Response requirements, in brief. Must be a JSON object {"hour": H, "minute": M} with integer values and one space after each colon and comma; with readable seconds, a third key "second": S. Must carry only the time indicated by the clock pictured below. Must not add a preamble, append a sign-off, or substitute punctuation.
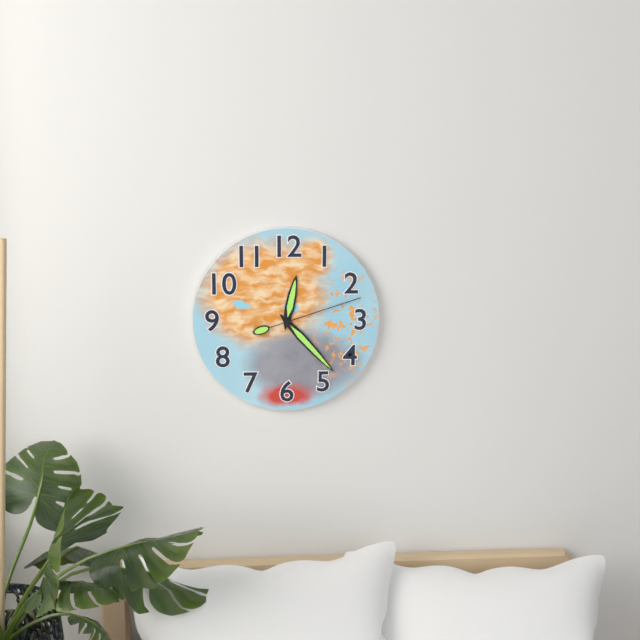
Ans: {"hour": 12, "minute": 23, "second": 12}
